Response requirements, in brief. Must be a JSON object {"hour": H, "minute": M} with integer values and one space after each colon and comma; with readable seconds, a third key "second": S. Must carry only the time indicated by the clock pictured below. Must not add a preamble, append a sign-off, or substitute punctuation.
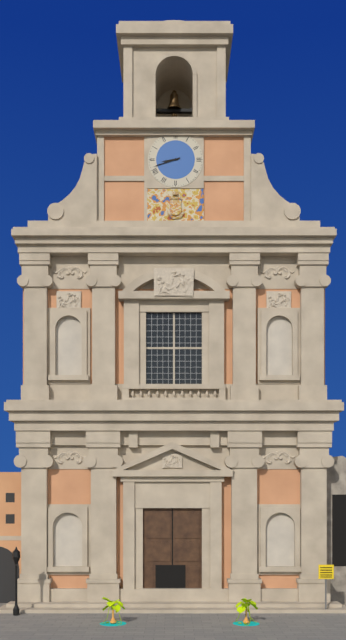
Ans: {"hour": 8, "minute": 42}
